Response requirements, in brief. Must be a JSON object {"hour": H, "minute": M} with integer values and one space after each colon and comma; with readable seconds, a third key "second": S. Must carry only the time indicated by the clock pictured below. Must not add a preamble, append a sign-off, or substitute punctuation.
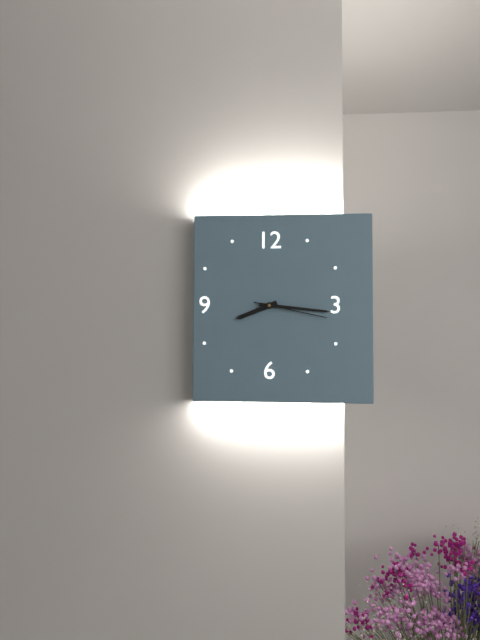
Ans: {"hour": 8, "minute": 16, "second": 17}
